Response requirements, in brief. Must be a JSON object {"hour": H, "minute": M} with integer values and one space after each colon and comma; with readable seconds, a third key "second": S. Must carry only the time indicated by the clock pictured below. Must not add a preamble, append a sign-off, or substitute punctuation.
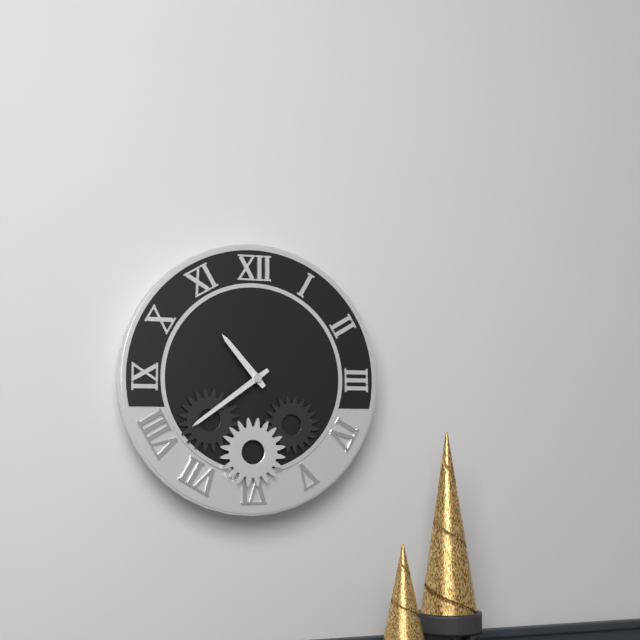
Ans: {"hour": 10, "minute": 39}
